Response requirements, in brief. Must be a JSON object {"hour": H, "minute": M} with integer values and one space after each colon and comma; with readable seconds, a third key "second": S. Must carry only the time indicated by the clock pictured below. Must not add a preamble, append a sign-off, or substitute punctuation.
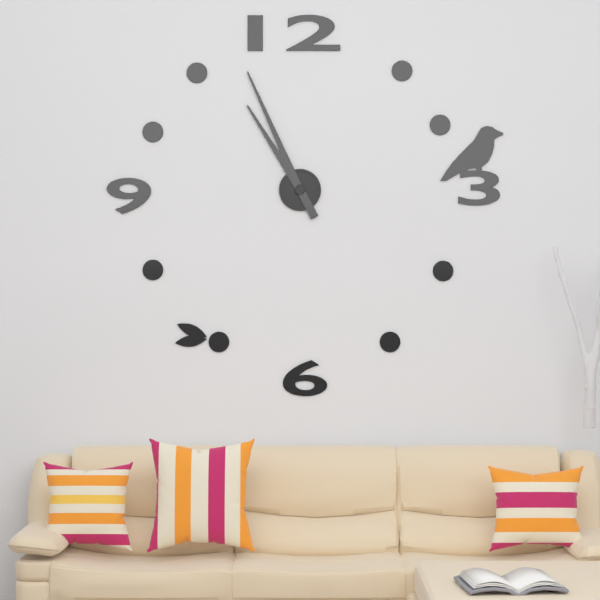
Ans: {"hour": 10, "minute": 56}
